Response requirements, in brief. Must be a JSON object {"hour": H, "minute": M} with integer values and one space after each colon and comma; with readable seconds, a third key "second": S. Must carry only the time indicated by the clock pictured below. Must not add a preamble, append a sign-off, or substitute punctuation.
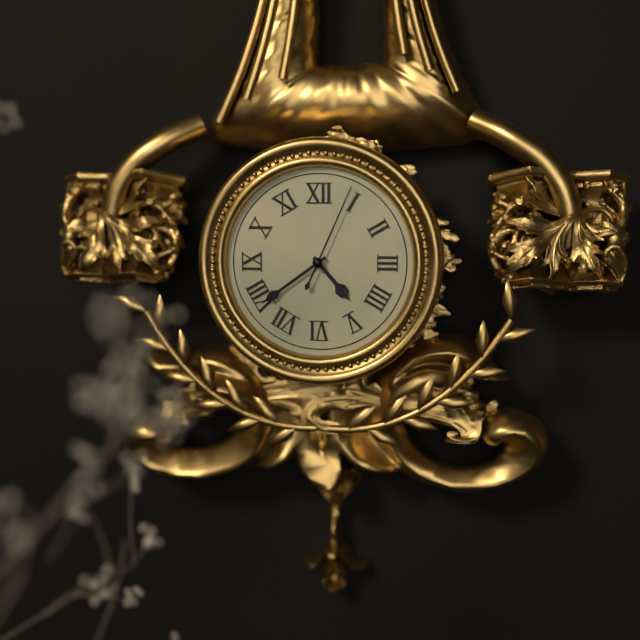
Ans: {"hour": 4, "minute": 39, "second": 4}
